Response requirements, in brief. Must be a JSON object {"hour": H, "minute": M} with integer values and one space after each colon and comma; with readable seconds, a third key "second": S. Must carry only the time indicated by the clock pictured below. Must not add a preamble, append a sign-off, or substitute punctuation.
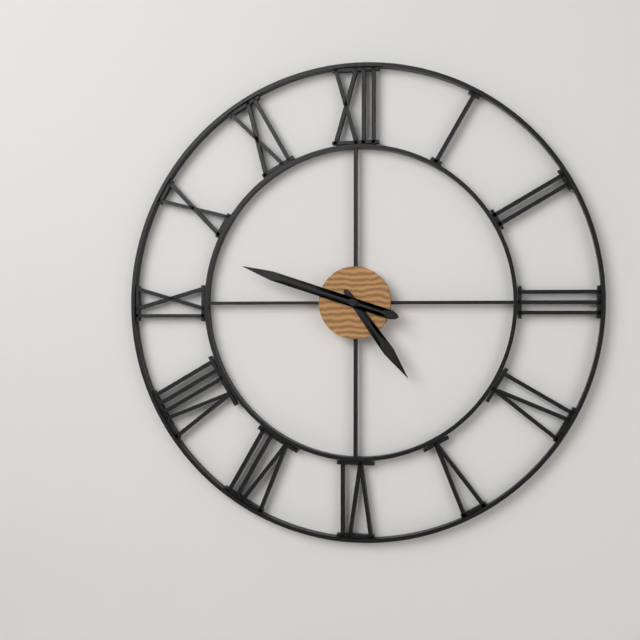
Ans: {"hour": 4, "minute": 48}
